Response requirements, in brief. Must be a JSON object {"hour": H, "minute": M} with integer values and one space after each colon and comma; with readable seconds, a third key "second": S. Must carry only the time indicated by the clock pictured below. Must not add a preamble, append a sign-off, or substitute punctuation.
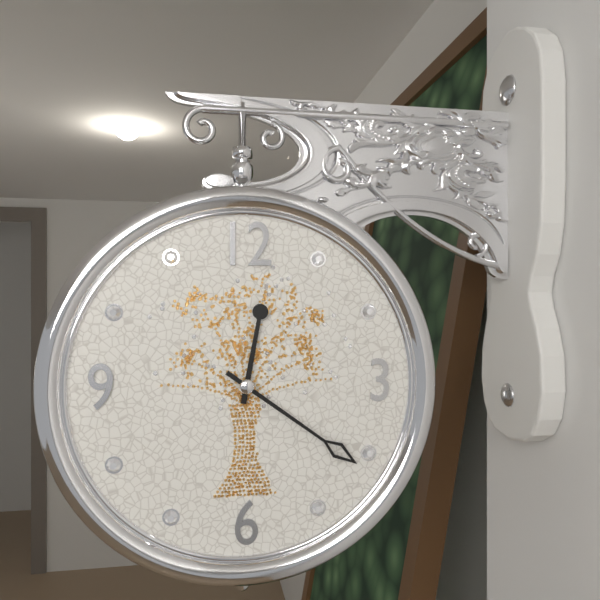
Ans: {"hour": 12, "minute": 21}
